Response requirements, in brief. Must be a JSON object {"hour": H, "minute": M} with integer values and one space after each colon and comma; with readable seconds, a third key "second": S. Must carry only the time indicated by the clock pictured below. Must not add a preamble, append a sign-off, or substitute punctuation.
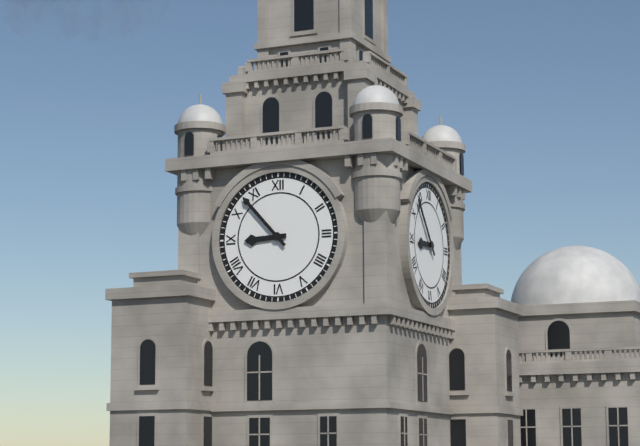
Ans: {"hour": 8, "minute": 53}
